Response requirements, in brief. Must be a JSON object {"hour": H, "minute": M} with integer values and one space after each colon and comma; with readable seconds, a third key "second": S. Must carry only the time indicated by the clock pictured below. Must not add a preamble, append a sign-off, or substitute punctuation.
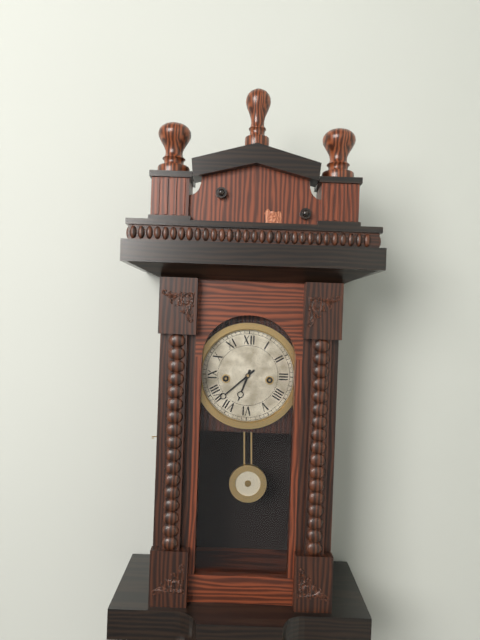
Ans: {"hour": 6, "minute": 38}
